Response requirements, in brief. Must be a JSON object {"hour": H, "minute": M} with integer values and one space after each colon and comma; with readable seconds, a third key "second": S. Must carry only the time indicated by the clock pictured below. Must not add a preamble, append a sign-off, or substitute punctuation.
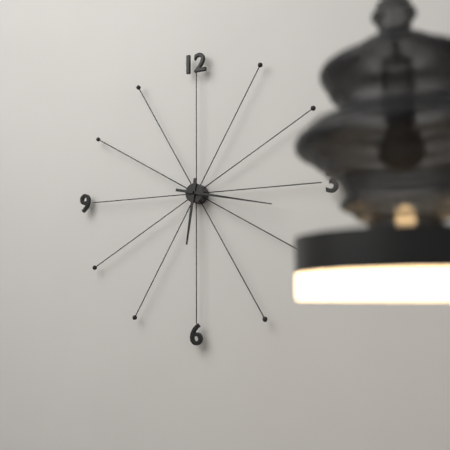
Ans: {"hour": 6, "minute": 17}
